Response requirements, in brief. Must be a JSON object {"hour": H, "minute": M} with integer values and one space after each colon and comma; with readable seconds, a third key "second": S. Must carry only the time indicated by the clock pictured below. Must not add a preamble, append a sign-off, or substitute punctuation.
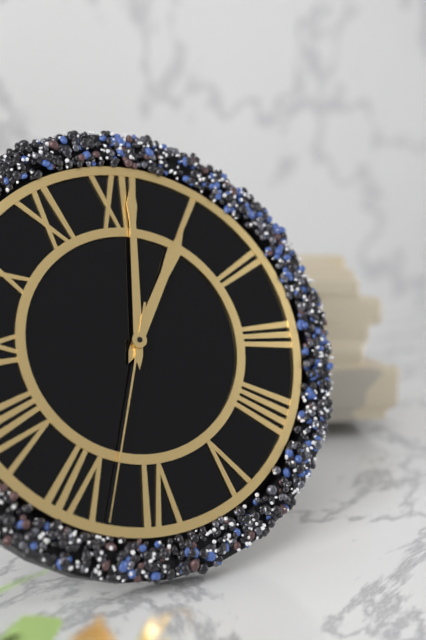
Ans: {"hour": 1, "minute": 1, "second": 33}
